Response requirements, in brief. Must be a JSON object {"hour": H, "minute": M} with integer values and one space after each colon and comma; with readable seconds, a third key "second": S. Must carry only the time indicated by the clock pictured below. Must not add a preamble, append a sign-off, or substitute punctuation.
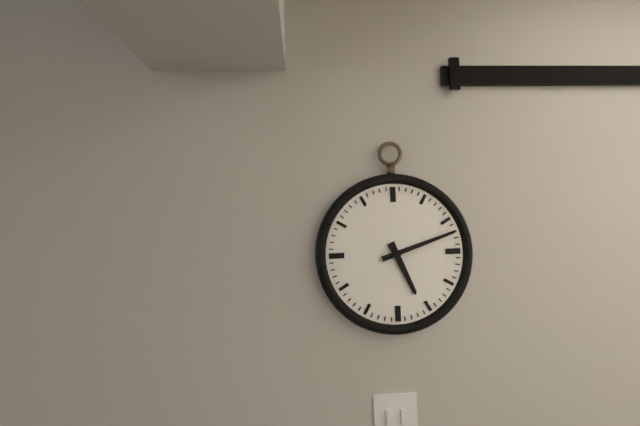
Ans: {"hour": 5, "minute": 12}
